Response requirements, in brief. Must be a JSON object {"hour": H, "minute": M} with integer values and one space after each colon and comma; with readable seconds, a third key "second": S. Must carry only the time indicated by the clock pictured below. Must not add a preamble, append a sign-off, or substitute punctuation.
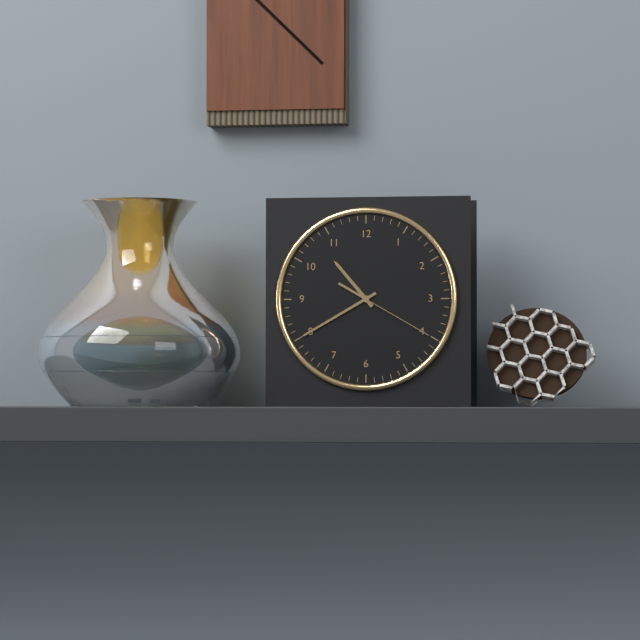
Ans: {"hour": 10, "minute": 40, "second": 20}
